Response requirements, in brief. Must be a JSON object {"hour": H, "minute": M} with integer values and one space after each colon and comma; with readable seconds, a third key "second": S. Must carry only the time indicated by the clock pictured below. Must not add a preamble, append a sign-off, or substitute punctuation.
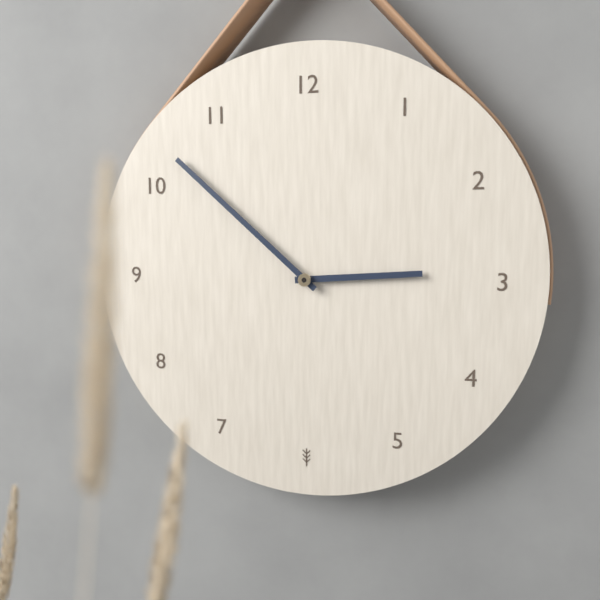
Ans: {"hour": 2, "minute": 52}
